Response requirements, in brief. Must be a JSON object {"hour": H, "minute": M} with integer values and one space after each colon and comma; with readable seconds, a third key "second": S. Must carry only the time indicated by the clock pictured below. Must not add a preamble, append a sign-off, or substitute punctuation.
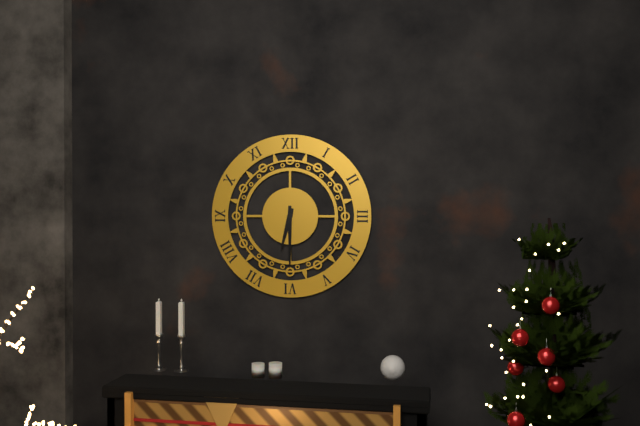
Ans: {"hour": 6, "minute": 30}
